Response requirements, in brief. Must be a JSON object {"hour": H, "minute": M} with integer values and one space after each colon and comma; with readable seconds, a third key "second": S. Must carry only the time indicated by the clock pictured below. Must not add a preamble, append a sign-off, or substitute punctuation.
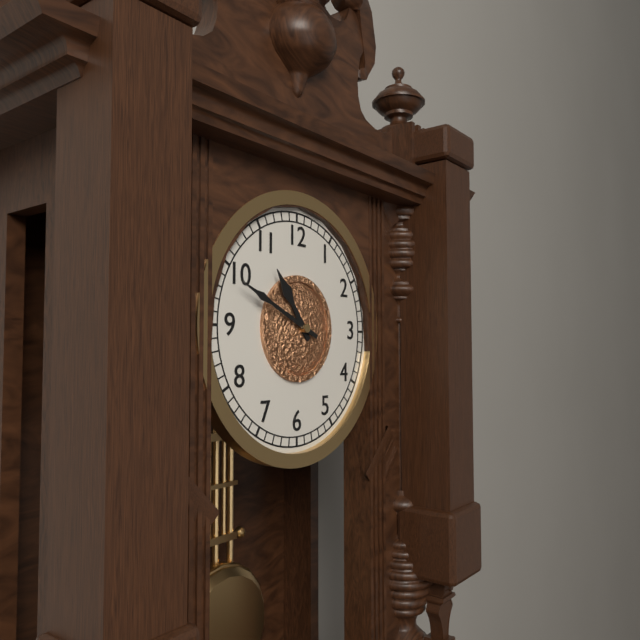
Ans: {"hour": 10, "minute": 49}
